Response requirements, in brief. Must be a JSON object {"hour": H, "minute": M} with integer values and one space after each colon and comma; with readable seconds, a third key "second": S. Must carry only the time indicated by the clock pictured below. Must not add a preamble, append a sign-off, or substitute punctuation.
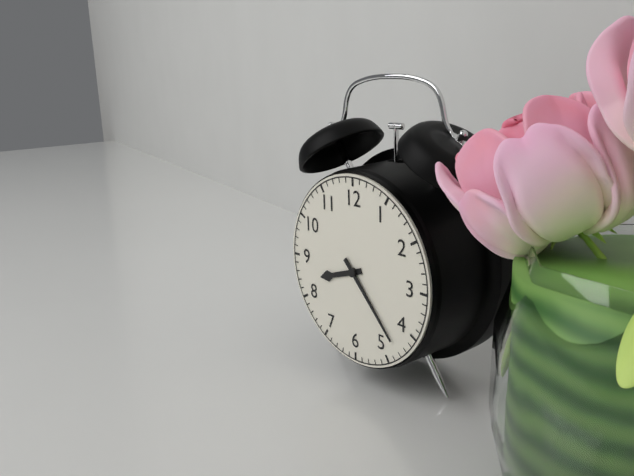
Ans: {"hour": 8, "minute": 23}
